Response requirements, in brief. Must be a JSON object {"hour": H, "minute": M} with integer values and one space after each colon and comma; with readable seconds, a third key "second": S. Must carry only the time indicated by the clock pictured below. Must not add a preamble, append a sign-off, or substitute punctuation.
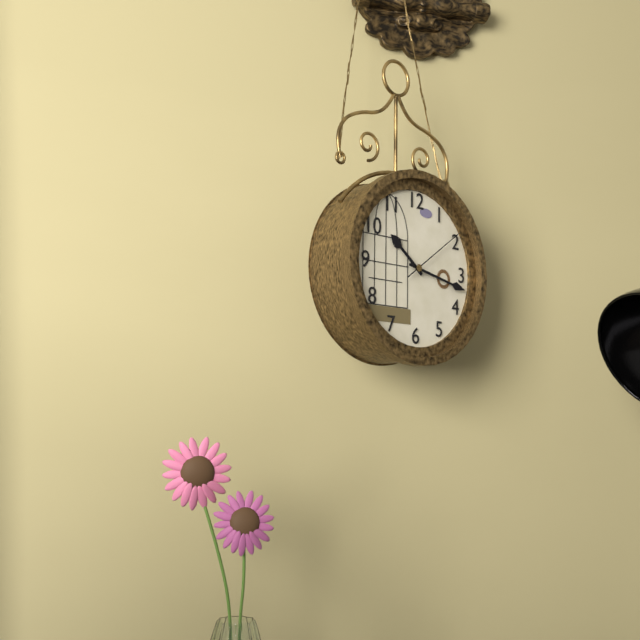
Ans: {"hour": 10, "minute": 17, "second": 9}
